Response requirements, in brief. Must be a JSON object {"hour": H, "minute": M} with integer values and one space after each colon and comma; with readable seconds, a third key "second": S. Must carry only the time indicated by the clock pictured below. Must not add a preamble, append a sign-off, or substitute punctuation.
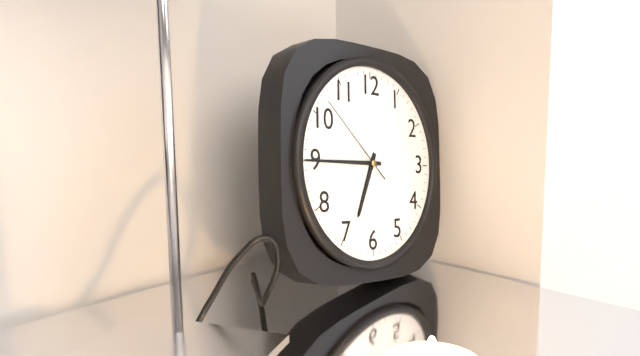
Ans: {"hour": 6, "minute": 45, "second": 52}
